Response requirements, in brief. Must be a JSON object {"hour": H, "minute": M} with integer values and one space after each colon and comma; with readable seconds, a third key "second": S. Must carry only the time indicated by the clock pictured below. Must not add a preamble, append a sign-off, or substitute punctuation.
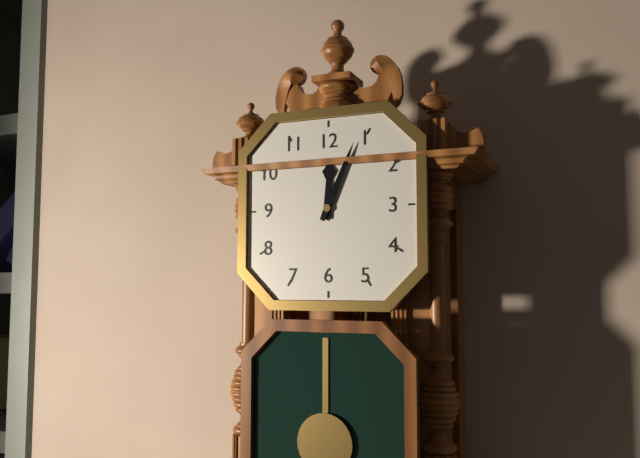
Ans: {"hour": 12, "minute": 4}
